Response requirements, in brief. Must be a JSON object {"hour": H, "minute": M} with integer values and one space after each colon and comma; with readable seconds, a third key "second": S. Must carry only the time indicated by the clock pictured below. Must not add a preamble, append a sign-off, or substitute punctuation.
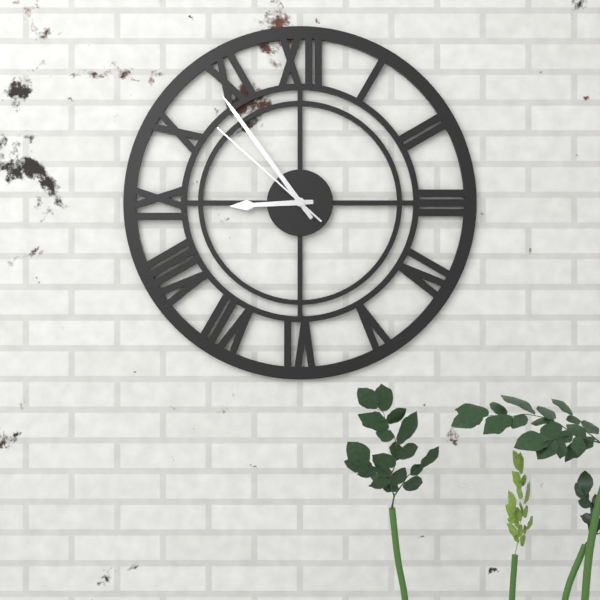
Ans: {"hour": 8, "minute": 54, "second": 52}
